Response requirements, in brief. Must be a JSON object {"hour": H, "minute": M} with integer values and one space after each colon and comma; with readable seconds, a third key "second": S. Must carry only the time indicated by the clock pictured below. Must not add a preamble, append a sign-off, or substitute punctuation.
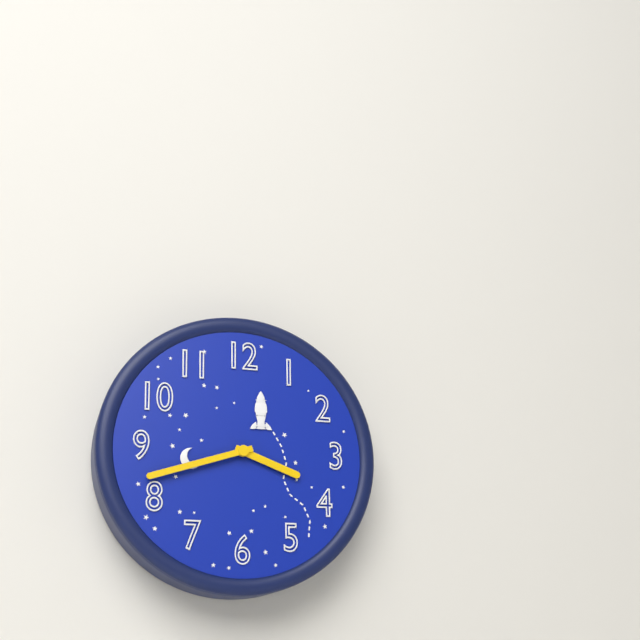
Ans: {"hour": 3, "minute": 42}
